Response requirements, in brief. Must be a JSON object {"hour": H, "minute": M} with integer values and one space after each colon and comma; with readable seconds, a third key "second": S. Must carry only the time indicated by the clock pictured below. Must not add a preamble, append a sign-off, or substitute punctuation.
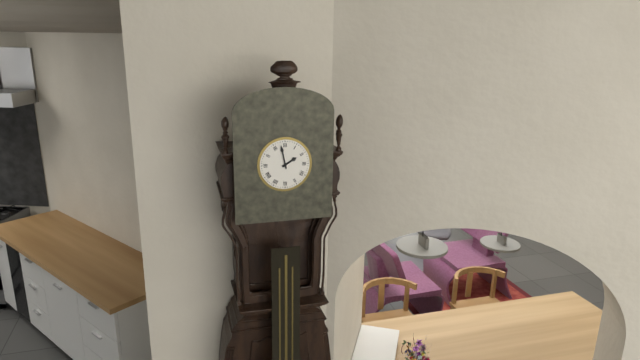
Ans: {"hour": 1, "minute": 58}
